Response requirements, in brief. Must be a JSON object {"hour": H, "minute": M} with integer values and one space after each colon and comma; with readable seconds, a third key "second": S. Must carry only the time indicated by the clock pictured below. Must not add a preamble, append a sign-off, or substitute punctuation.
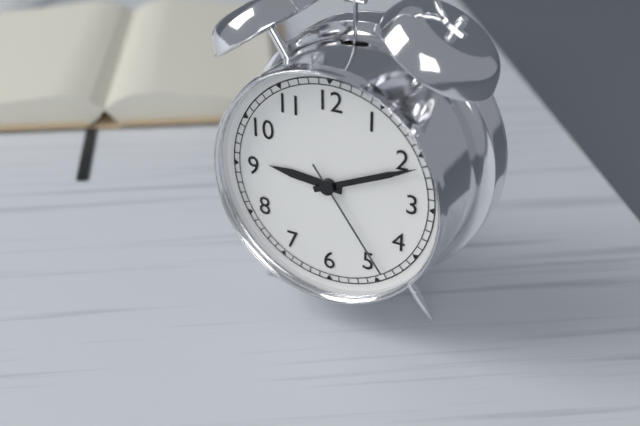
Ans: {"hour": 9, "minute": 11, "second": 24}
